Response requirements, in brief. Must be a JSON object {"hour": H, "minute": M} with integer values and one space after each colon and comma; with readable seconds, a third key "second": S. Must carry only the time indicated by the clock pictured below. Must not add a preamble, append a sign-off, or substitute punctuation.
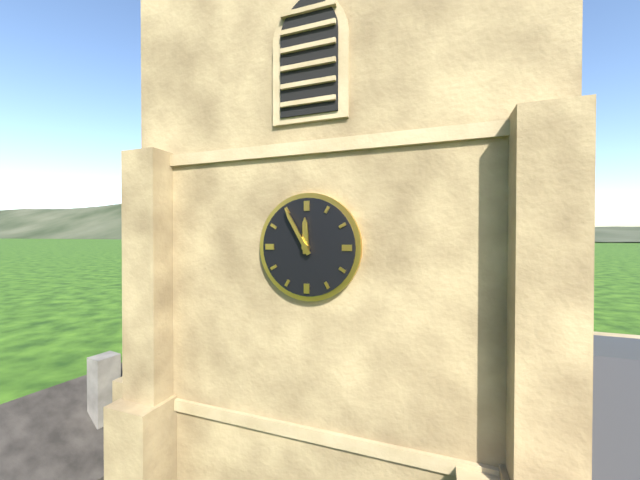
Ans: {"hour": 11, "minute": 55}
